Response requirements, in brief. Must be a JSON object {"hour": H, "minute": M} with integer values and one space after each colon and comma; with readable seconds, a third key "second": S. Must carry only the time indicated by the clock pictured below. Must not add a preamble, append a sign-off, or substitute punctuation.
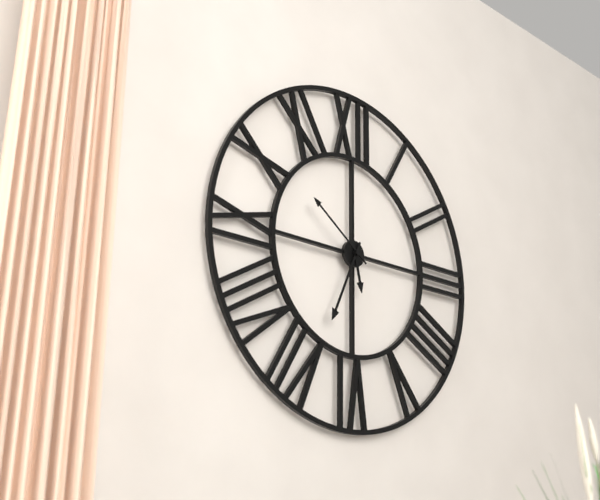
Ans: {"hour": 5, "minute": 34, "second": 51}
